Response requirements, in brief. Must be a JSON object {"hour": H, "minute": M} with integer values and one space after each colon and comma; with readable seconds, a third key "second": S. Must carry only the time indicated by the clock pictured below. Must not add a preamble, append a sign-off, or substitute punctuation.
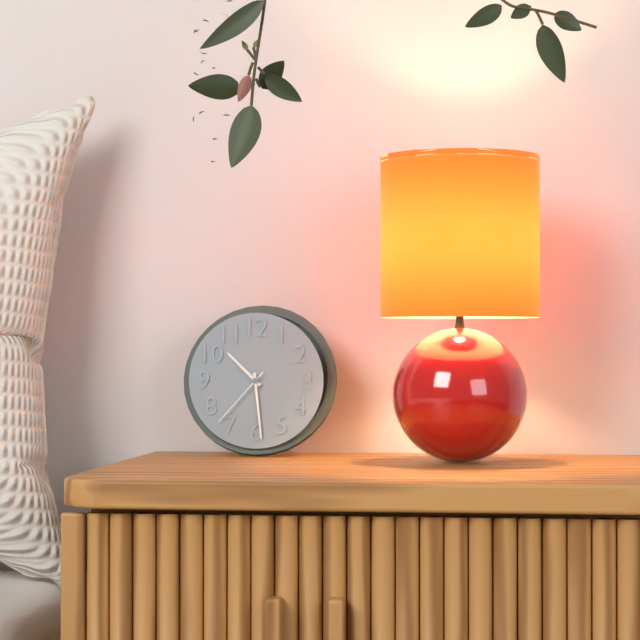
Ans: {"hour": 10, "minute": 29, "second": 37}
